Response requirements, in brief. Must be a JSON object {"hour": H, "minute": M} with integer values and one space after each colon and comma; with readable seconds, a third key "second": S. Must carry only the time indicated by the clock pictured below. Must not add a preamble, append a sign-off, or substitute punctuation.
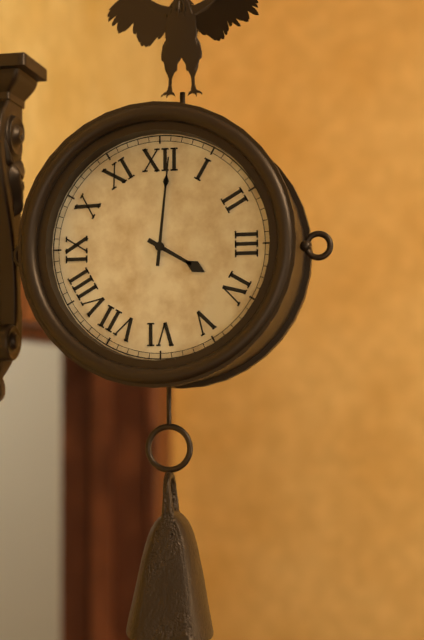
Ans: {"hour": 4, "minute": 1}
